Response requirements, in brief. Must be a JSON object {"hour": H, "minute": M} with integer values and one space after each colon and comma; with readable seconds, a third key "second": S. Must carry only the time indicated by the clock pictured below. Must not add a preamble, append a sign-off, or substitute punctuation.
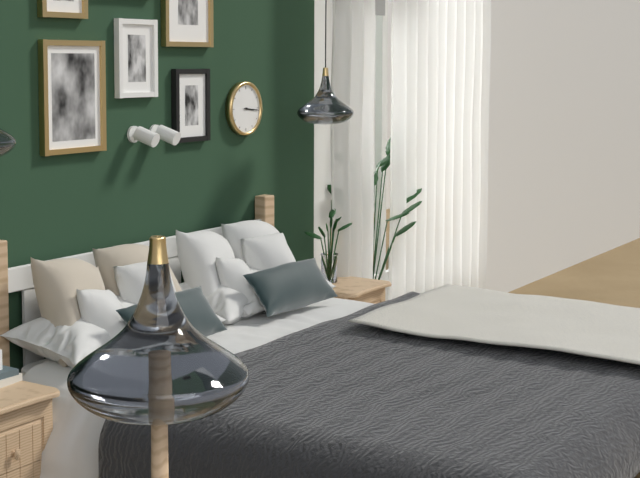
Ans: {"hour": 3, "minute": 16}
